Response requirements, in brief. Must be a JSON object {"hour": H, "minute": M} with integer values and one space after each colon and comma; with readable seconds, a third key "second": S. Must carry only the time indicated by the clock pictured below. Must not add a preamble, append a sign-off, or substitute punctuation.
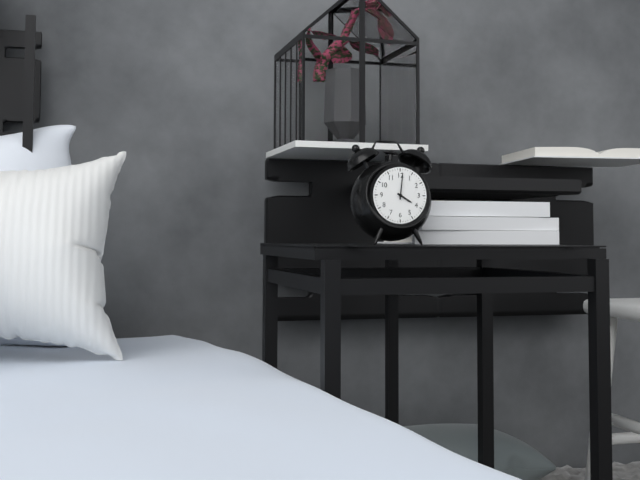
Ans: {"hour": 4, "minute": 1}
